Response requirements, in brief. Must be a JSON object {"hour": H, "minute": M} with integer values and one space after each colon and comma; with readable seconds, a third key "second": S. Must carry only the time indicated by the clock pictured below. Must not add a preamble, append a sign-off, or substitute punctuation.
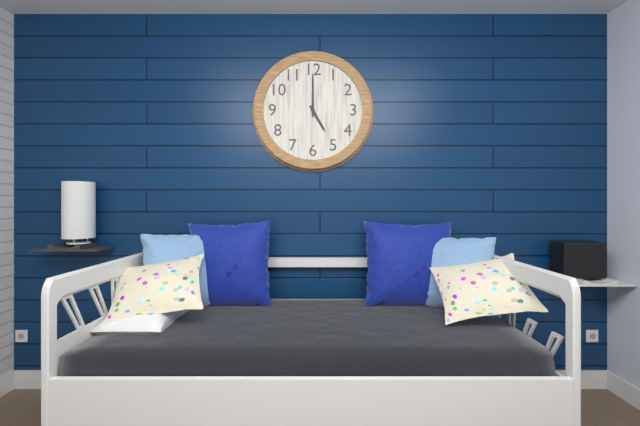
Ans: {"hour": 5, "minute": 0}
